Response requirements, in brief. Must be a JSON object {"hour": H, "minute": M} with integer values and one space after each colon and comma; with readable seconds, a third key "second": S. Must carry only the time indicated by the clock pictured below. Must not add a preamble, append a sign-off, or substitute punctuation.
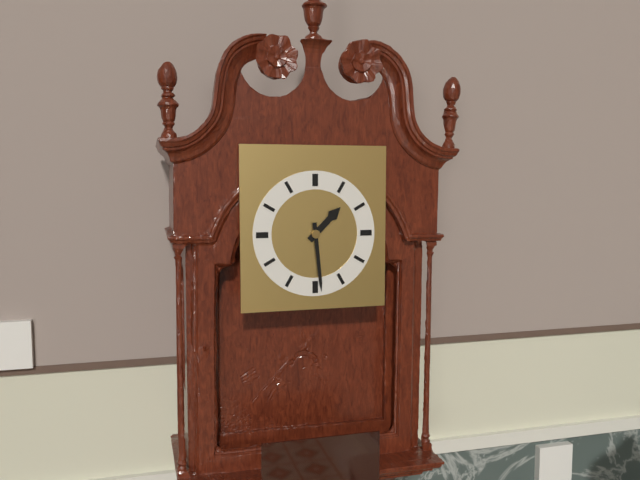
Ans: {"hour": 1, "minute": 29}
